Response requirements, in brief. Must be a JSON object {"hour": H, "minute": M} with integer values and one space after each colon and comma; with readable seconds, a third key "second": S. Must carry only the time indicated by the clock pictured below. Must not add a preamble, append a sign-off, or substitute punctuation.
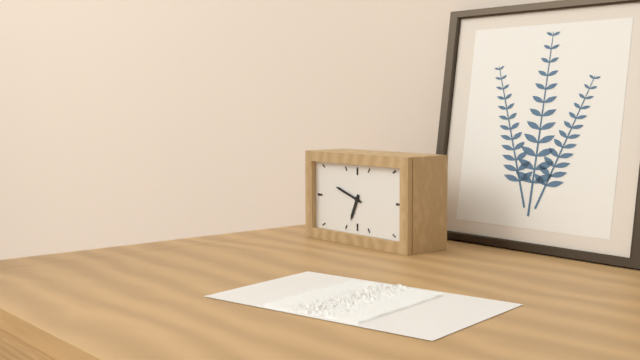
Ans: {"hour": 6, "minute": 48}
